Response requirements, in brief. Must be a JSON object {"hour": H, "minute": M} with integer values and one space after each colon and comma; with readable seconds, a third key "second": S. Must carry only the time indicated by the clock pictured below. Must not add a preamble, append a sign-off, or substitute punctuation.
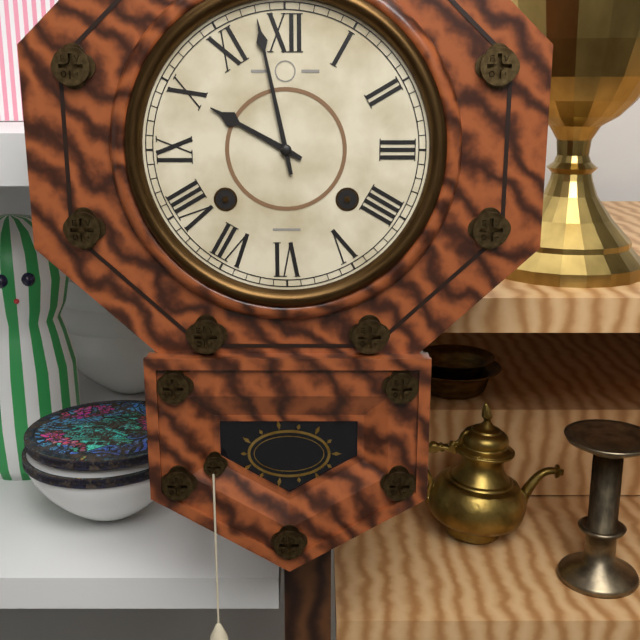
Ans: {"hour": 9, "minute": 58}
